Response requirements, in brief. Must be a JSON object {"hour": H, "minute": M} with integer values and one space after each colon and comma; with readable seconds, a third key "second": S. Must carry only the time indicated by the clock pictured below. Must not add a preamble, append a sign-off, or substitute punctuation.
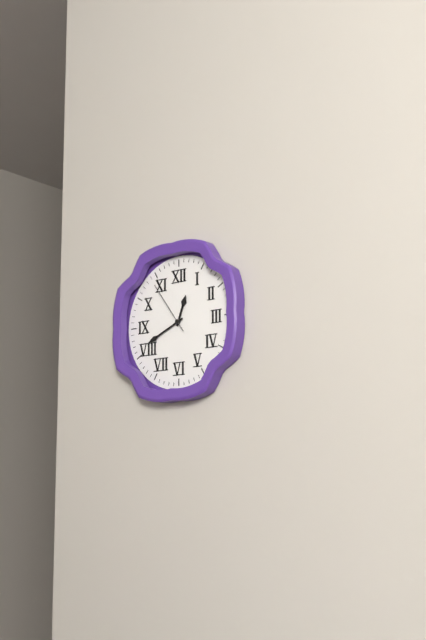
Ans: {"hour": 12, "minute": 41, "second": 54}
